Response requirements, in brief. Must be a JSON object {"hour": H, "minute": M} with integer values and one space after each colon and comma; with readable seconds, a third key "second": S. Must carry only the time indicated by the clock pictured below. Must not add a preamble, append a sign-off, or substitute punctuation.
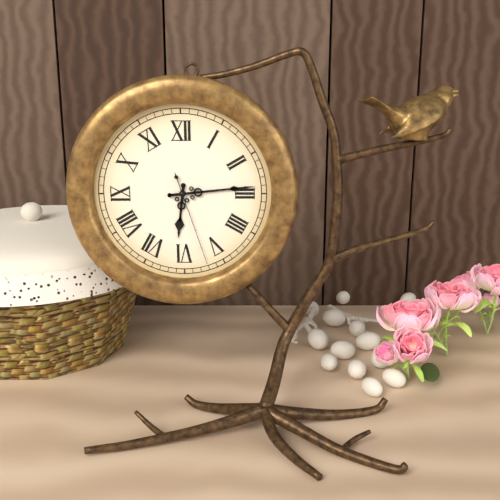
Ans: {"hour": 6, "minute": 14, "second": 27}
